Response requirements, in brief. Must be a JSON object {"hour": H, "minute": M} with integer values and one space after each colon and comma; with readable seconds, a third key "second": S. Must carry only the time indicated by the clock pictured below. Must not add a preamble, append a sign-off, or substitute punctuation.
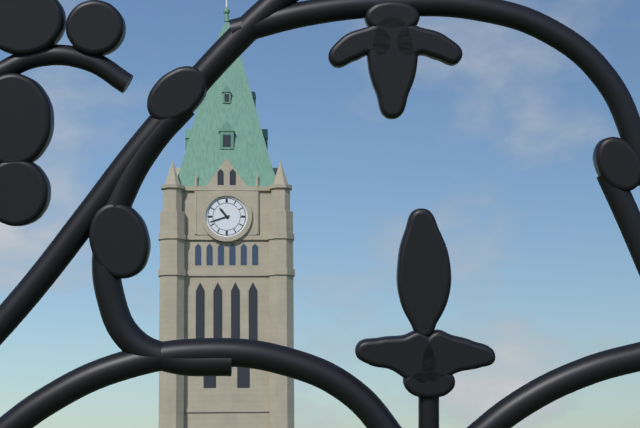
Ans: {"hour": 10, "minute": 42}
